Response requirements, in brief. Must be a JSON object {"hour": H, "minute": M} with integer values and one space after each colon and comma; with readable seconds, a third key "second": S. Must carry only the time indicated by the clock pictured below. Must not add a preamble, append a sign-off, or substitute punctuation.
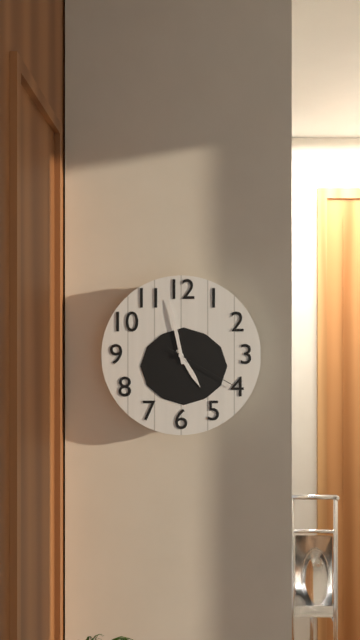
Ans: {"hour": 4, "minute": 58, "second": 20}
